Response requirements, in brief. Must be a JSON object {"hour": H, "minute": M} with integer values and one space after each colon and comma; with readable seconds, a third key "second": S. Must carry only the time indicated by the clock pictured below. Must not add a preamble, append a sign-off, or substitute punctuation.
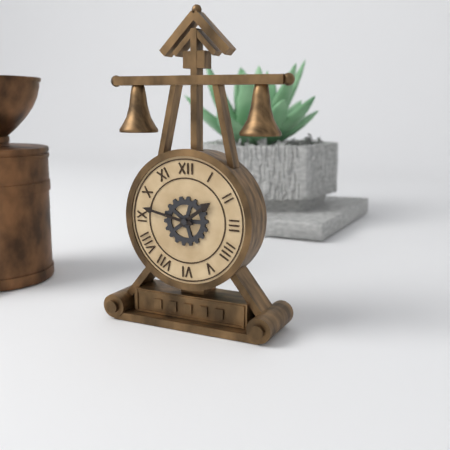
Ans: {"hour": 1, "minute": 47}
